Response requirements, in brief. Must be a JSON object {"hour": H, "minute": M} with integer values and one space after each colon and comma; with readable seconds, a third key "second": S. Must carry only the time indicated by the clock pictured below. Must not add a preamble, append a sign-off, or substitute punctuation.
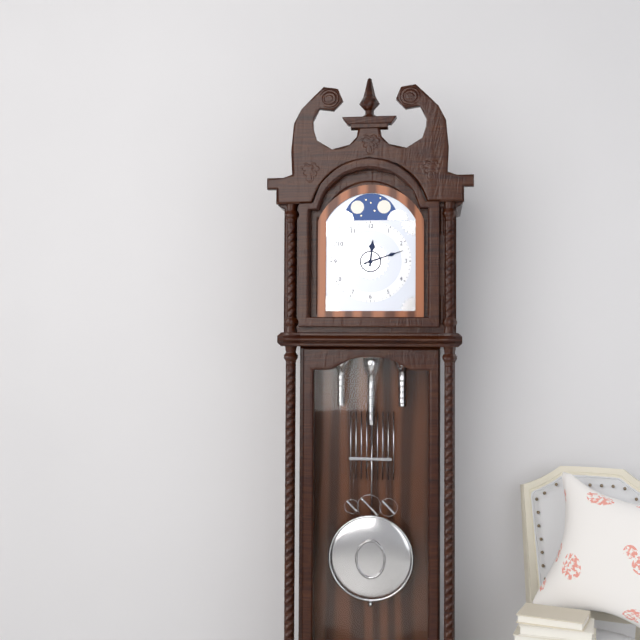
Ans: {"hour": 12, "minute": 12}
